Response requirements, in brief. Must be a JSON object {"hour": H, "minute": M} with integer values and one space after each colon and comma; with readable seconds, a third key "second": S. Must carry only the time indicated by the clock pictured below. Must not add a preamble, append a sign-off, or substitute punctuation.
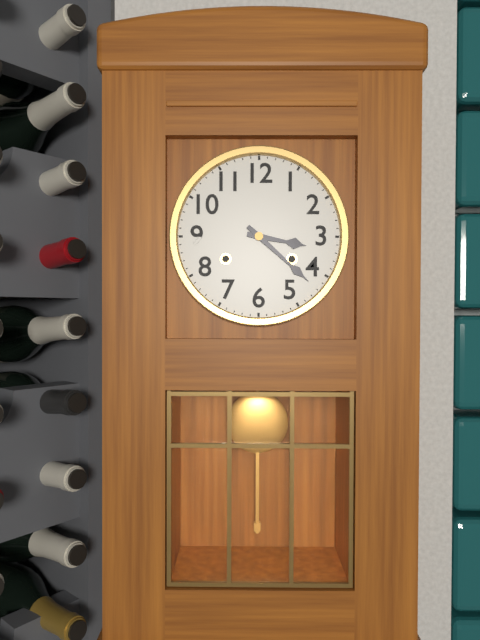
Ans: {"hour": 3, "minute": 22}
